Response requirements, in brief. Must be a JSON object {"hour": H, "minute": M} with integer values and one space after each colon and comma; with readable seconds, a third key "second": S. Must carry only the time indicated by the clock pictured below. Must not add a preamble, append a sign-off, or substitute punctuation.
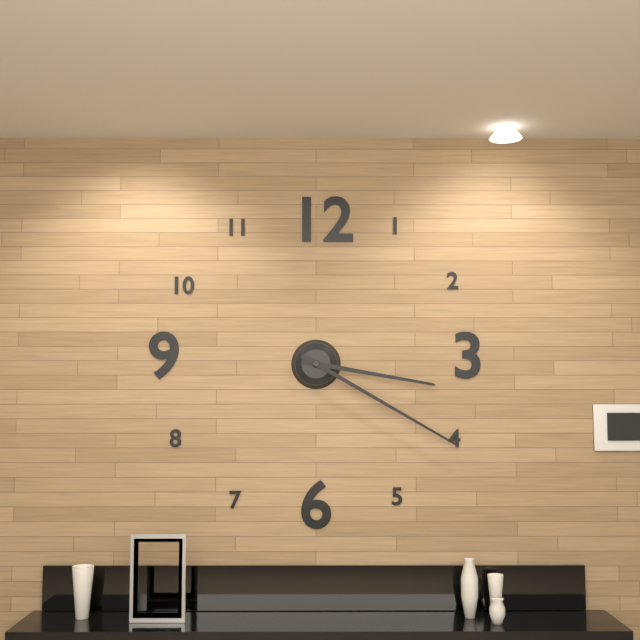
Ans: {"hour": 3, "minute": 20}
